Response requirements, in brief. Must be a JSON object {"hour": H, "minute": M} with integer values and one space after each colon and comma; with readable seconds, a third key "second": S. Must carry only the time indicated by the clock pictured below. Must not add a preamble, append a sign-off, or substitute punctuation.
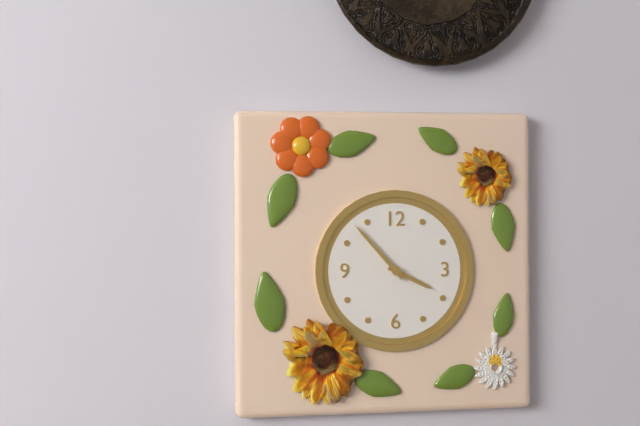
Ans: {"hour": 3, "minute": 53}
